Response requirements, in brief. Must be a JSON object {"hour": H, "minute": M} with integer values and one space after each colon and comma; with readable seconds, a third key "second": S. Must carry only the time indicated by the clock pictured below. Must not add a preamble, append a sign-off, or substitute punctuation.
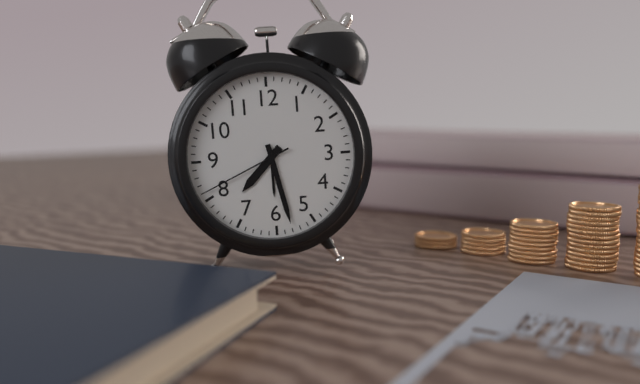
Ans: {"hour": 7, "minute": 28, "second": 41}
